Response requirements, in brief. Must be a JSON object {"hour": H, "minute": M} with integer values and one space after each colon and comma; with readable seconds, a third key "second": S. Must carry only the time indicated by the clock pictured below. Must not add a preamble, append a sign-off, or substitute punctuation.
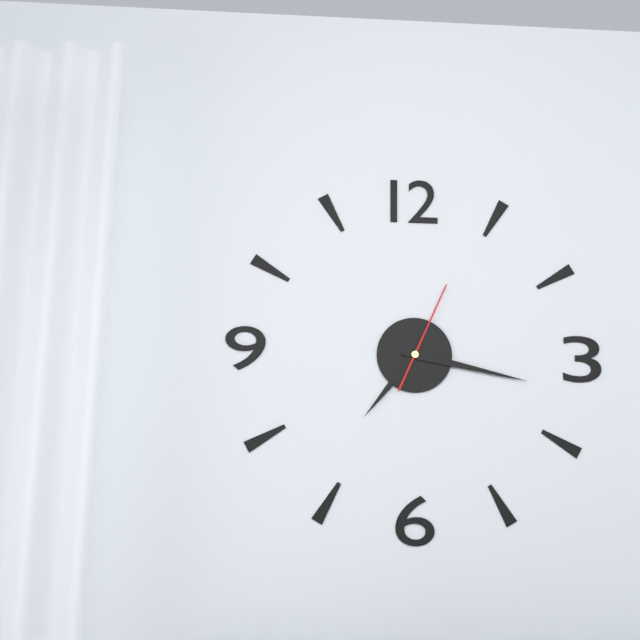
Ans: {"hour": 7, "minute": 17, "second": 4}
